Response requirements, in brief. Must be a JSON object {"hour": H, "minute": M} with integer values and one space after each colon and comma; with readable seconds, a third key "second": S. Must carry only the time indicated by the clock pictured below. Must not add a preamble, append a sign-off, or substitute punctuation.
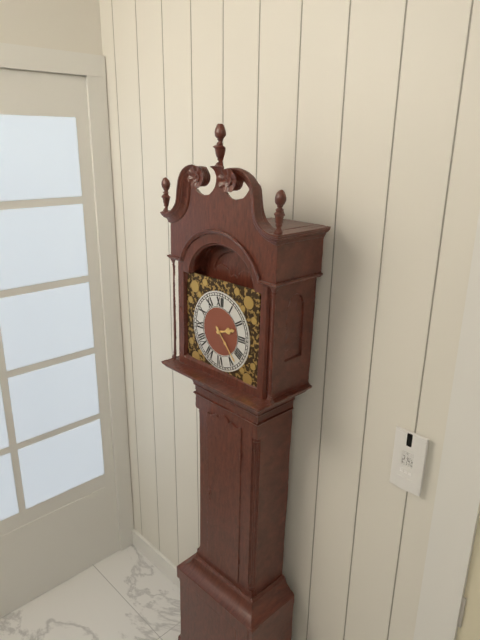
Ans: {"hour": 2, "minute": 23}
